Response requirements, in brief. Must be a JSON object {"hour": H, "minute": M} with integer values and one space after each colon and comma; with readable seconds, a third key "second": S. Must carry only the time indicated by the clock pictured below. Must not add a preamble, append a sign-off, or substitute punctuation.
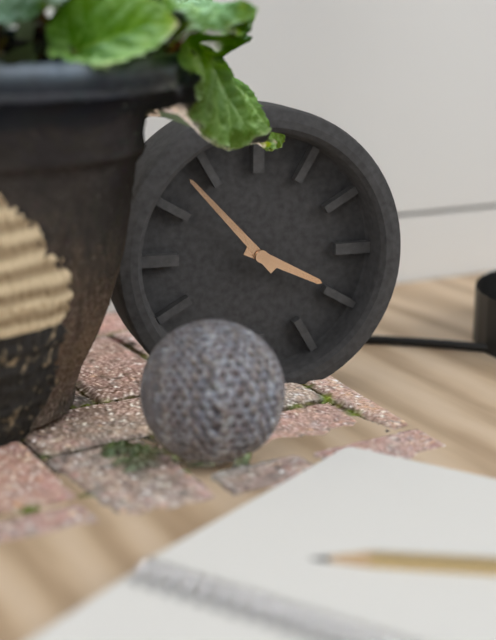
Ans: {"hour": 3, "minute": 53}
